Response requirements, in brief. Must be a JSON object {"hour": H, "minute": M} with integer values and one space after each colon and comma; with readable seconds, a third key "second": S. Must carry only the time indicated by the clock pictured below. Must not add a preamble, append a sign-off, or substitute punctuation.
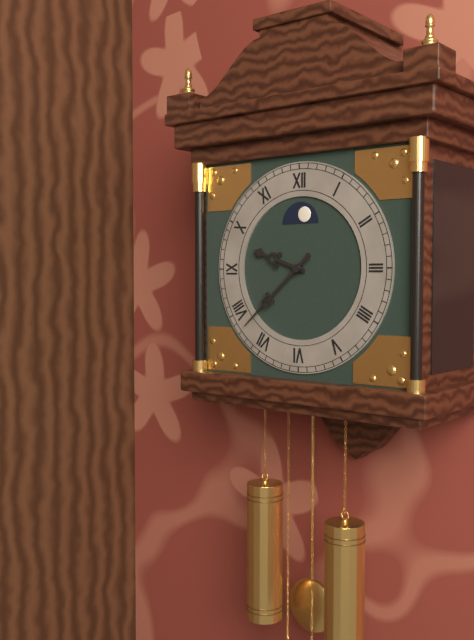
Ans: {"hour": 9, "minute": 38}
